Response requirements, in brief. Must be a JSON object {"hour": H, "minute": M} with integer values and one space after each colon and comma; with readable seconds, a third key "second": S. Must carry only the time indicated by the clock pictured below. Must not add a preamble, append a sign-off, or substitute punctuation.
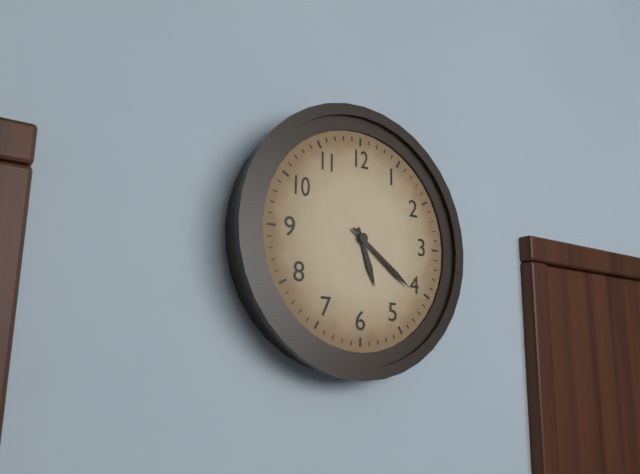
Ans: {"hour": 5, "minute": 21}
